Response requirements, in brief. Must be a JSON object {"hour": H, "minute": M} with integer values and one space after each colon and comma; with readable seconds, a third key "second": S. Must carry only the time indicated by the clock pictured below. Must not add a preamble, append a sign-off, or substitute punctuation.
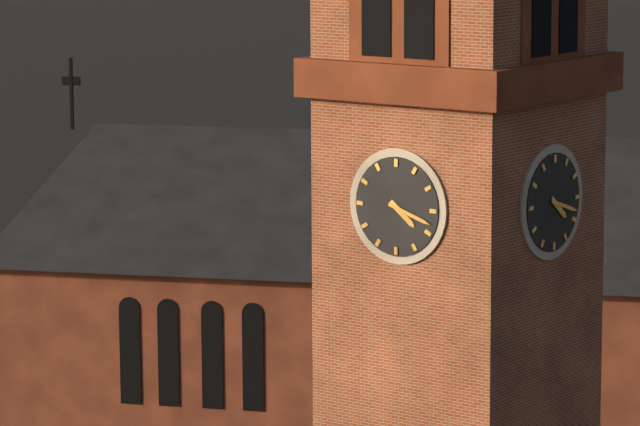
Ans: {"hour": 4, "minute": 18}
